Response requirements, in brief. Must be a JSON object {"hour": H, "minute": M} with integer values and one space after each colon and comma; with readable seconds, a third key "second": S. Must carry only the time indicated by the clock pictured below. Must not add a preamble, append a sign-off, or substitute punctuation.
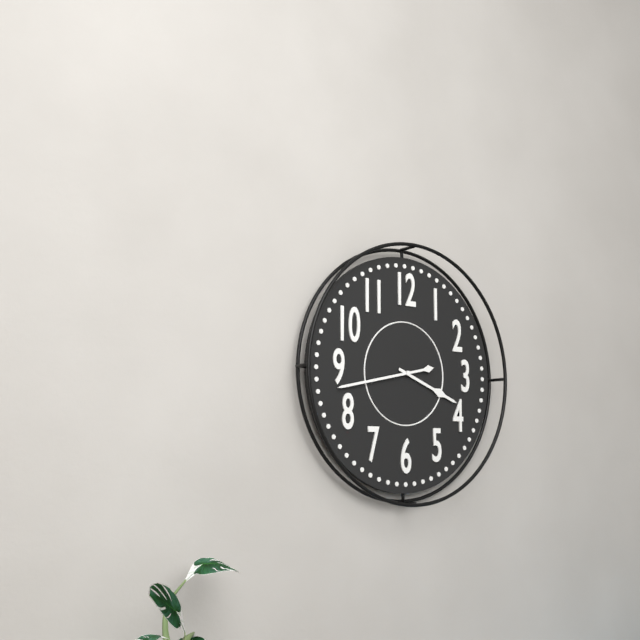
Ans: {"hour": 3, "minute": 43}
